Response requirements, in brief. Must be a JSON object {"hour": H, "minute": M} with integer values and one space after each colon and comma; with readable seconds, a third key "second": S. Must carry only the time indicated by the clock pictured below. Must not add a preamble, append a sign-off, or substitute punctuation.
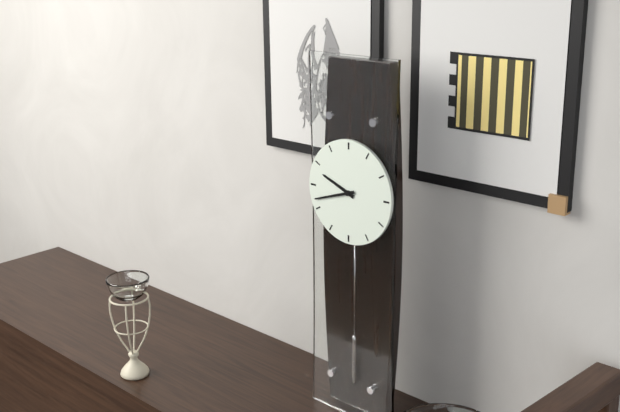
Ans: {"hour": 9, "minute": 42}
